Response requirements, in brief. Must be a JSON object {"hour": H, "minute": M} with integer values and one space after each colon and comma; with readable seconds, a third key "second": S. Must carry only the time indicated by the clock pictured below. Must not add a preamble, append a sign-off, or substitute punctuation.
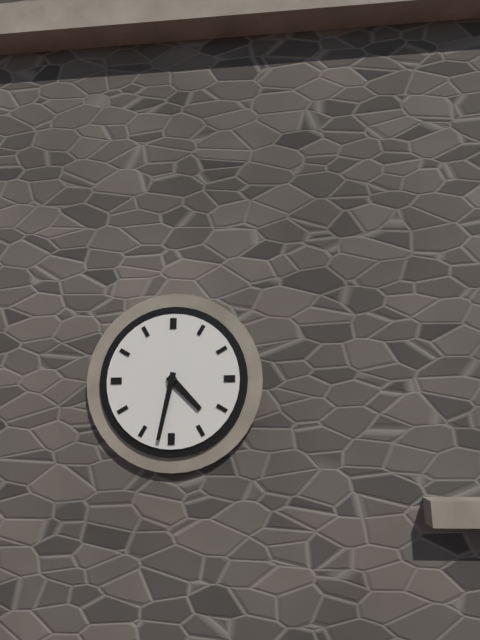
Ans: {"hour": 4, "minute": 32}
